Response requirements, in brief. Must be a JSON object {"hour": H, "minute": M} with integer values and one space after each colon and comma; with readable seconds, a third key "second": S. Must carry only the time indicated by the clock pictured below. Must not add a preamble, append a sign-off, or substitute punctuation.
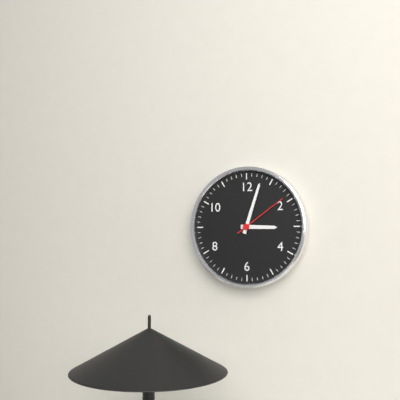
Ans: {"hour": 3, "minute": 3, "second": 9}
